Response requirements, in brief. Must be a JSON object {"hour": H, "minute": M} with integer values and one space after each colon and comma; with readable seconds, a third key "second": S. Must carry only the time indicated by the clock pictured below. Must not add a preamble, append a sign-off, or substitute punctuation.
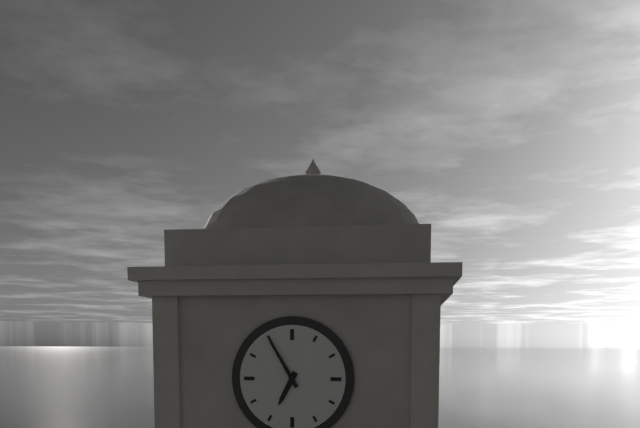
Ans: {"hour": 6, "minute": 55}
